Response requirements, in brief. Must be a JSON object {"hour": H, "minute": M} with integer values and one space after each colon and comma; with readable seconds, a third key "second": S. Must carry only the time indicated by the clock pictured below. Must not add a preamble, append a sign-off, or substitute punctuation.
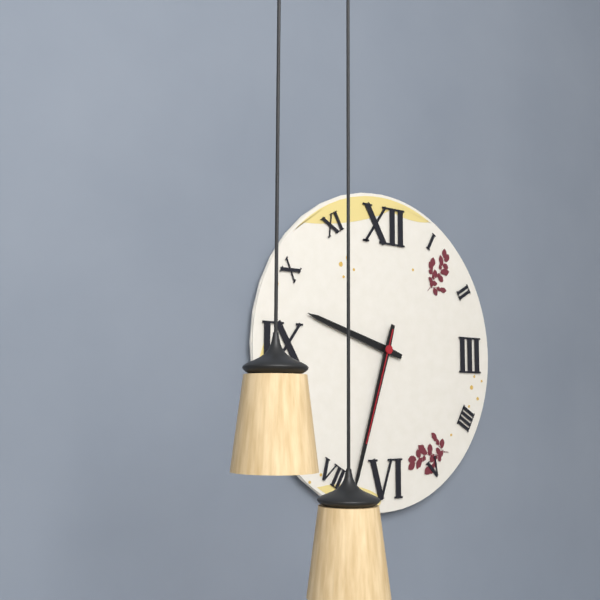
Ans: {"hour": 9, "minute": 33, "second": 33}
